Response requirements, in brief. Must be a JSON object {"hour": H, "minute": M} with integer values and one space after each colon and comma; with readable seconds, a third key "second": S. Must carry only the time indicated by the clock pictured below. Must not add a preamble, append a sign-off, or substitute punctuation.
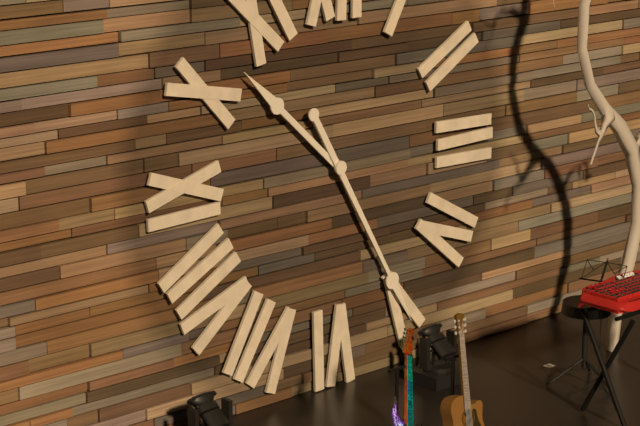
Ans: {"hour": 10, "minute": 25}
